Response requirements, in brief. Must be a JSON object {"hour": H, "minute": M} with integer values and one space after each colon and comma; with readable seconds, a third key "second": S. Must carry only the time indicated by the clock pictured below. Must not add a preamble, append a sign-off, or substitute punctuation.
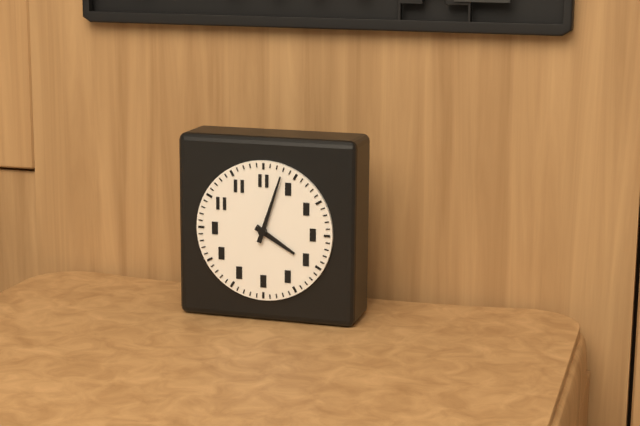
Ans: {"hour": 4, "minute": 3}
